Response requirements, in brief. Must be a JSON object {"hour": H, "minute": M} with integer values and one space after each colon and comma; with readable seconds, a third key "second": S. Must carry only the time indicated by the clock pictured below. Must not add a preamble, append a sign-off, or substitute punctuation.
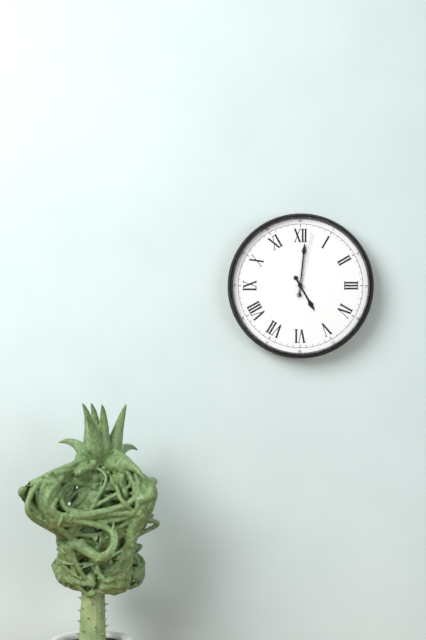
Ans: {"hour": 5, "minute": 1, "second": 2}
